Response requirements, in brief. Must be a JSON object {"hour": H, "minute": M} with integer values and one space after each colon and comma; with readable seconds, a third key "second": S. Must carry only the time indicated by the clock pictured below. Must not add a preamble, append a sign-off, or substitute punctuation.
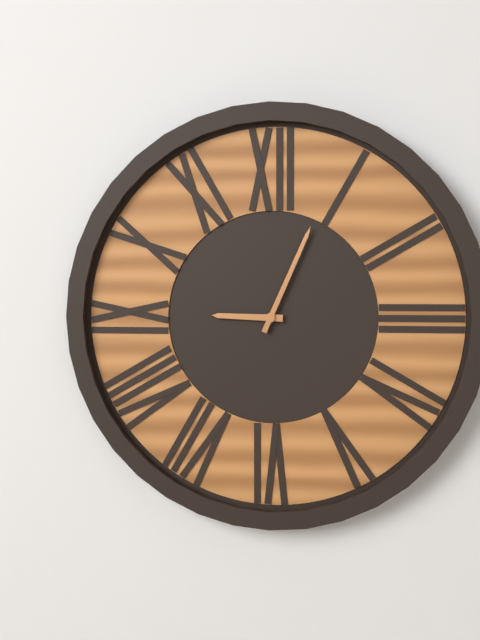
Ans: {"hour": 9, "minute": 4}
